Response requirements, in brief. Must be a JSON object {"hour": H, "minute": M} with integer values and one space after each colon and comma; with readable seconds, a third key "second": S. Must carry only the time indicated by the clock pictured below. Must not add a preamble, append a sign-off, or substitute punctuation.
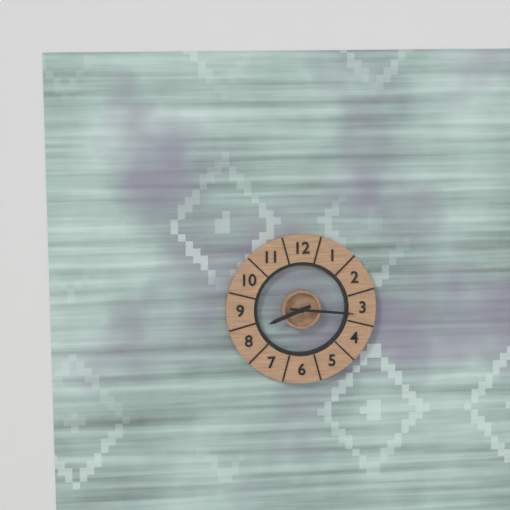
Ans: {"hour": 8, "minute": 16}
